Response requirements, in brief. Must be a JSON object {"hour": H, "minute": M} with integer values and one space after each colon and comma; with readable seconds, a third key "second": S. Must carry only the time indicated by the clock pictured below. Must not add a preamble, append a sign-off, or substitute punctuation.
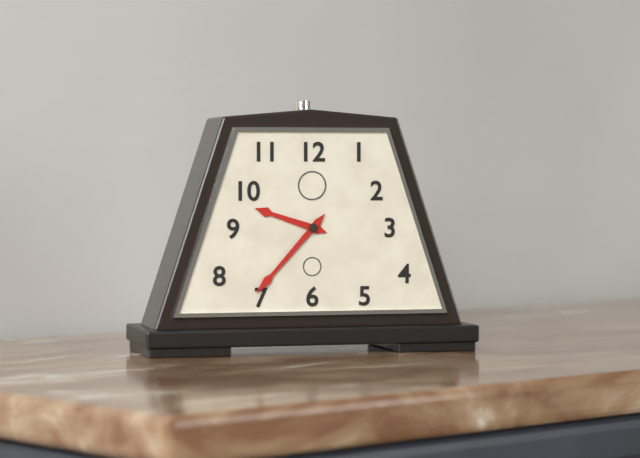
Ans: {"hour": 9, "minute": 37}
